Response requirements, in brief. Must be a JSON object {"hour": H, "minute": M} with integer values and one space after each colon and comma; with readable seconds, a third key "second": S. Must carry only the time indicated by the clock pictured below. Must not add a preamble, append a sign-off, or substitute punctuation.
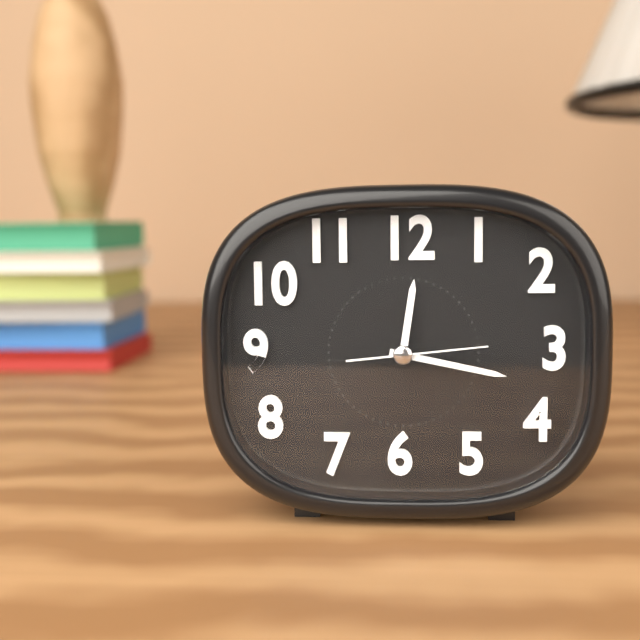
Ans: {"hour": 12, "minute": 17, "second": 14}
